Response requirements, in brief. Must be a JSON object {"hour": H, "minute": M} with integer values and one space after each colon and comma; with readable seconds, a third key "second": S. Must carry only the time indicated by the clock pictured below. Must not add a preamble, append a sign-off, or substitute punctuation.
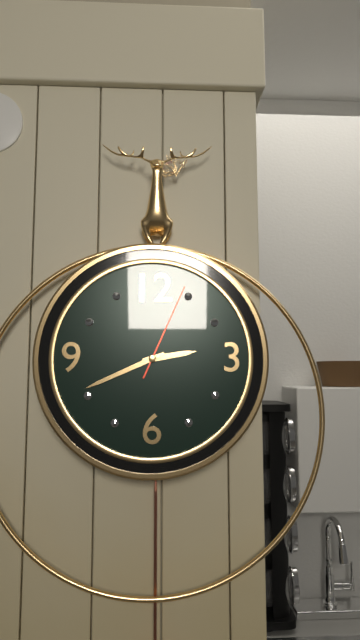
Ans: {"hour": 2, "minute": 41, "second": 4}
